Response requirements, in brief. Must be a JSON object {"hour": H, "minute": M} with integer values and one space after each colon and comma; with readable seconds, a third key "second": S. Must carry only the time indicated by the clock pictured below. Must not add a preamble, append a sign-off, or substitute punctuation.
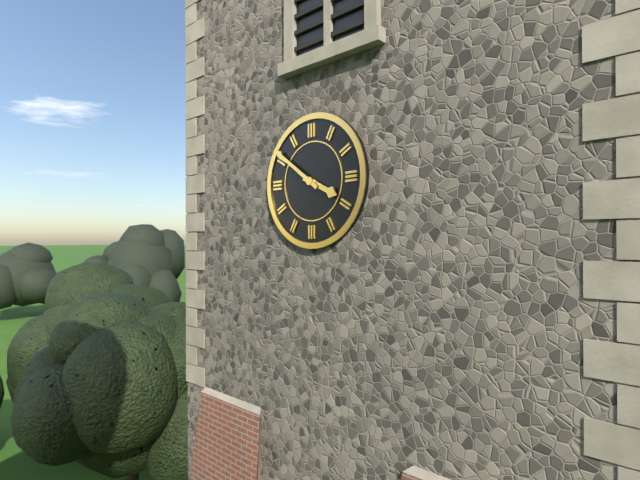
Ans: {"hour": 3, "minute": 51}
